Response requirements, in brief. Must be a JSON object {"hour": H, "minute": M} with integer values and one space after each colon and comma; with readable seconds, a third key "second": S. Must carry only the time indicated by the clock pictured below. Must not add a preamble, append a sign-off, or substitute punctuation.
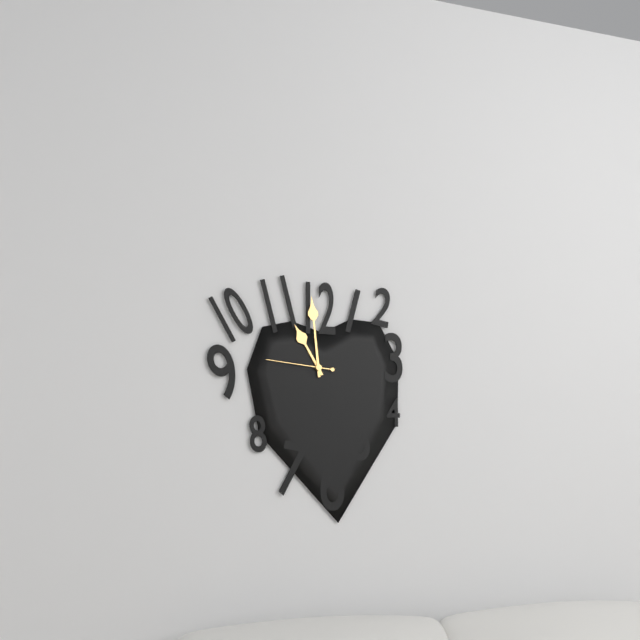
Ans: {"hour": 10, "minute": 59, "second": 46}
